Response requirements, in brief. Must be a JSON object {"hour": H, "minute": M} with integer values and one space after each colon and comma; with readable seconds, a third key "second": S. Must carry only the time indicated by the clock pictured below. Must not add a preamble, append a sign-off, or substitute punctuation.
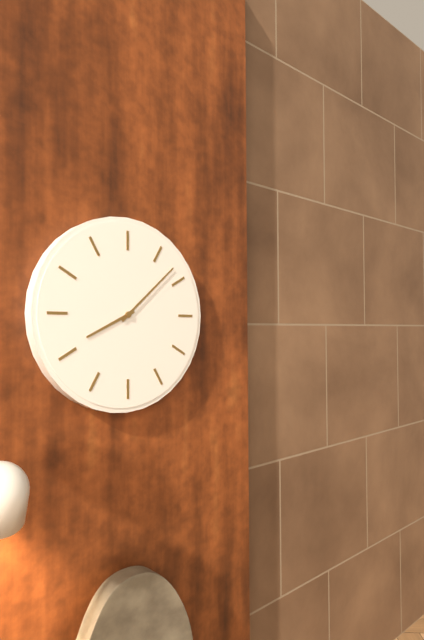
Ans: {"hour": 8, "minute": 8}
